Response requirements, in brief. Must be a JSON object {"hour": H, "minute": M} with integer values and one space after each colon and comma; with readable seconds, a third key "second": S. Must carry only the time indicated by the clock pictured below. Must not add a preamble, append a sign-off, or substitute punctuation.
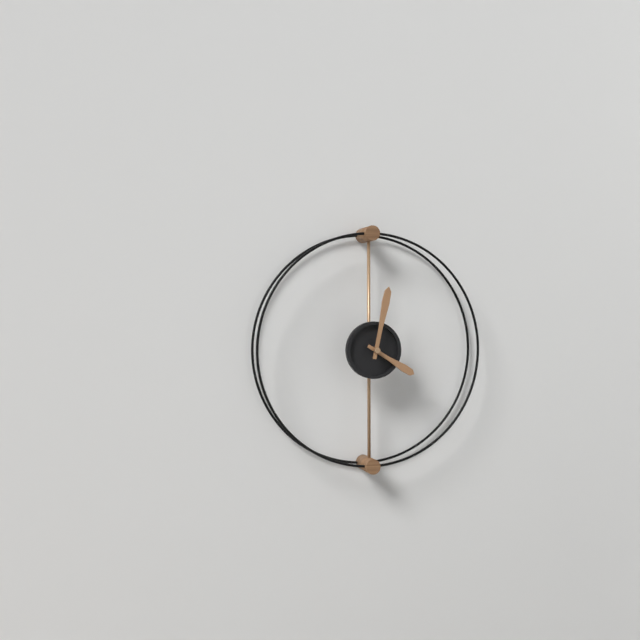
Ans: {"hour": 4, "minute": 2}
